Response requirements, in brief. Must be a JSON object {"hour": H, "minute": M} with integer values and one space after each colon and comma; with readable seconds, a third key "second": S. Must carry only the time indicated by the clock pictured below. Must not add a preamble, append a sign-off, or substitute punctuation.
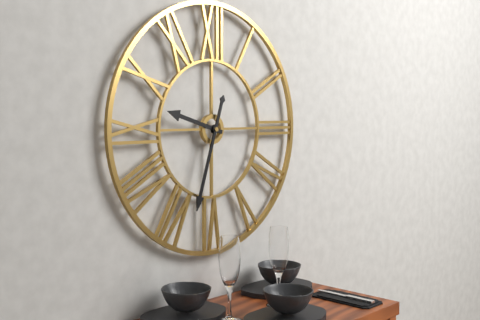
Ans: {"hour": 9, "minute": 33}
